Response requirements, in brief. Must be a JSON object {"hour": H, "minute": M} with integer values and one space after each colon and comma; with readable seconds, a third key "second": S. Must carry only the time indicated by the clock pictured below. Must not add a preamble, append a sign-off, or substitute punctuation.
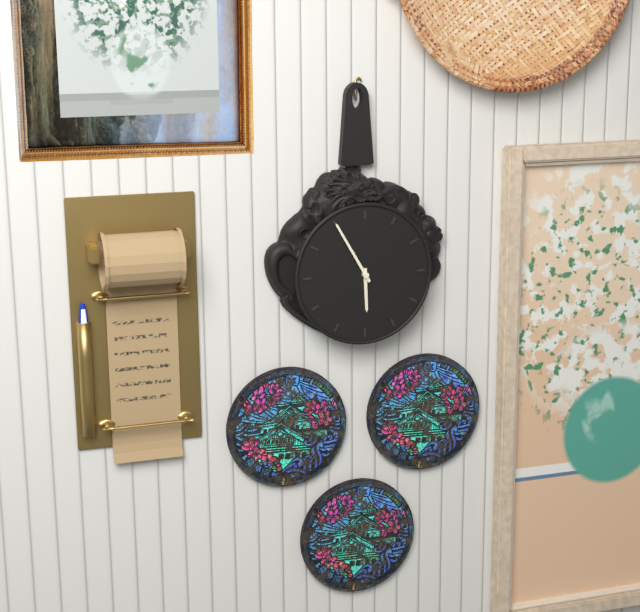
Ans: {"hour": 5, "minute": 55}
